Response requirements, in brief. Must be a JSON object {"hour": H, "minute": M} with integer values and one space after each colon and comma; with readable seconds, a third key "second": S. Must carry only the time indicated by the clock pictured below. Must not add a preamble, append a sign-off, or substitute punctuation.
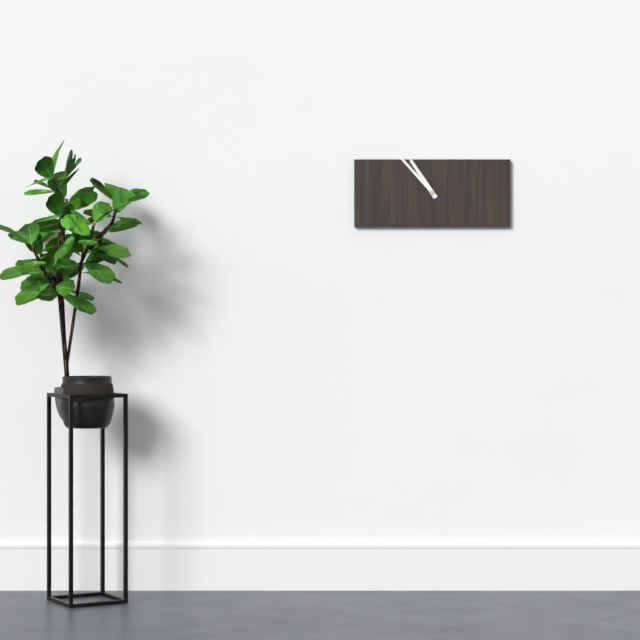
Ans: {"hour": 10, "minute": 53}
